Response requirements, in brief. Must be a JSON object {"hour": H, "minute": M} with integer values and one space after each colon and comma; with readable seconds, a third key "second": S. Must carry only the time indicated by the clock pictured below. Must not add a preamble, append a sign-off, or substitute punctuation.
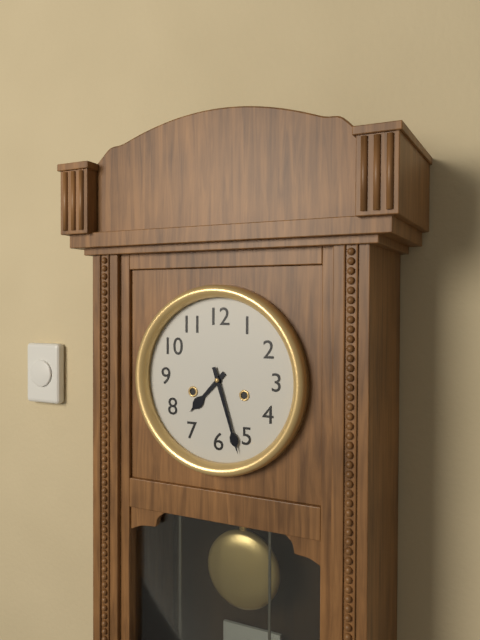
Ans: {"hour": 7, "minute": 27}
